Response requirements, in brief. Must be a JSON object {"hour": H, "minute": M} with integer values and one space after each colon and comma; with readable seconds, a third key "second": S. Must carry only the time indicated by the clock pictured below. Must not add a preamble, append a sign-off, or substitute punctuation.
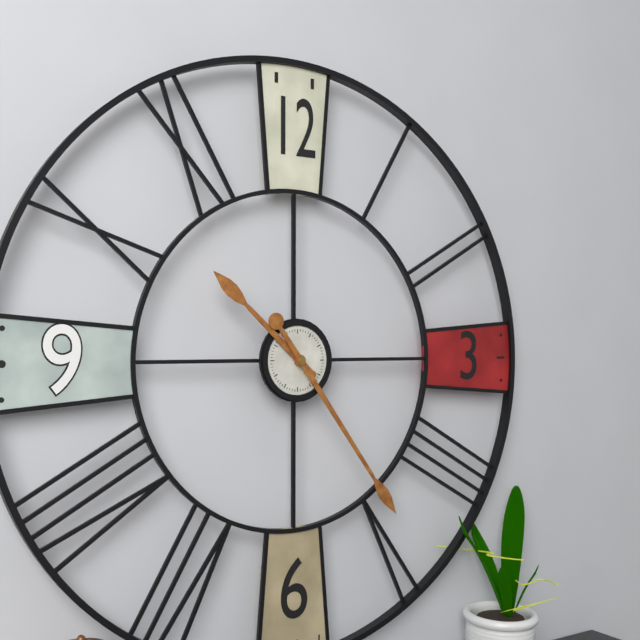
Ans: {"hour": 10, "minute": 24}
